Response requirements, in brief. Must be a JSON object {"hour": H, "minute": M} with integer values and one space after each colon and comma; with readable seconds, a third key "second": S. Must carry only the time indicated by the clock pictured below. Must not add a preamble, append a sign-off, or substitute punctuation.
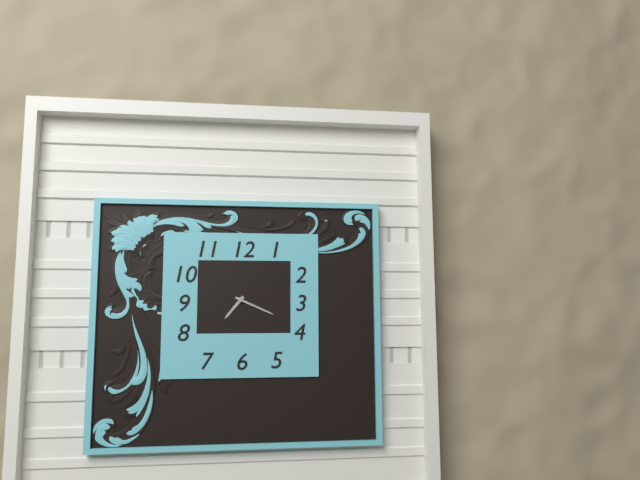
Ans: {"hour": 7, "minute": 19}
